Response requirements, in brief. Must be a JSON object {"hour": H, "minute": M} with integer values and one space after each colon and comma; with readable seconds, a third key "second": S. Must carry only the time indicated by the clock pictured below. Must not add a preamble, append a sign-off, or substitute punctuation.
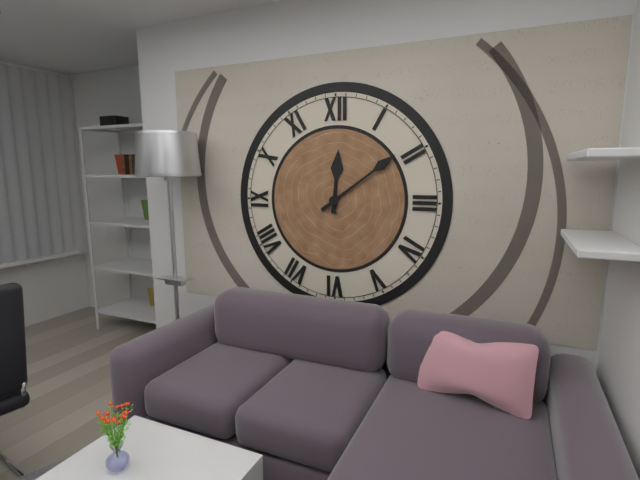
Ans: {"hour": 12, "minute": 9}
